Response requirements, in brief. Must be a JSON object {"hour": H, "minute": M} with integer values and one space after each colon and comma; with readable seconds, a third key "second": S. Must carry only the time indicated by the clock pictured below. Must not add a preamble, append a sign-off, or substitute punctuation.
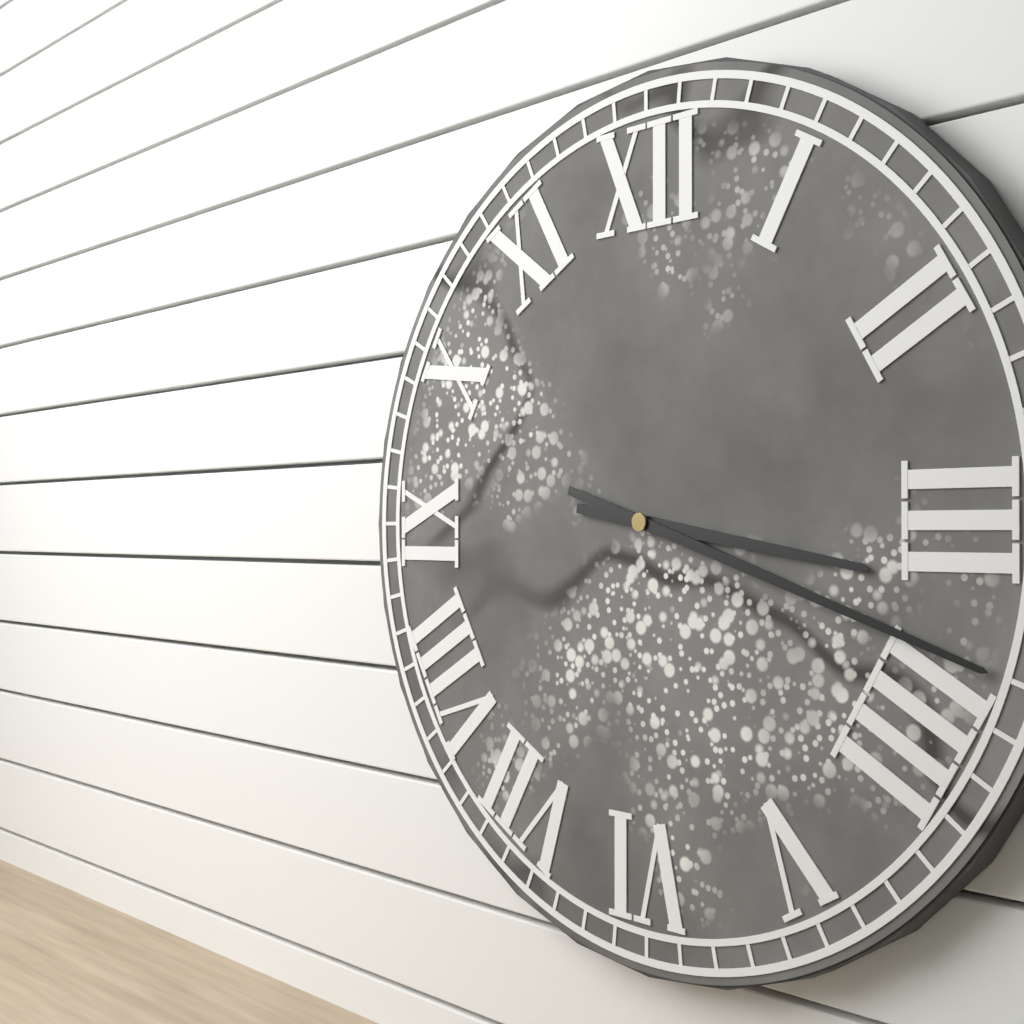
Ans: {"hour": 3, "minute": 18}
